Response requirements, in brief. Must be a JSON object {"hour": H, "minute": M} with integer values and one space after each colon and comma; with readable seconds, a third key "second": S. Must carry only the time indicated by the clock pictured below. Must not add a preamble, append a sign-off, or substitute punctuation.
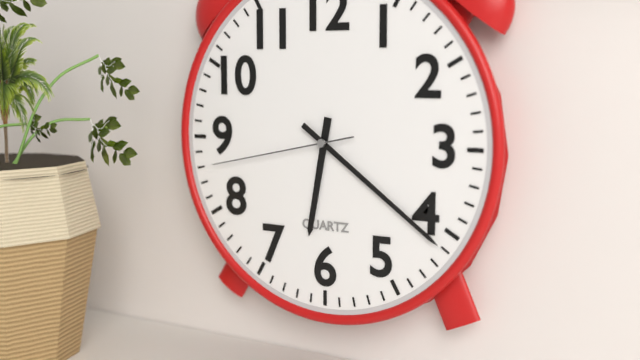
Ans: {"hour": 6, "minute": 21, "second": 43}
